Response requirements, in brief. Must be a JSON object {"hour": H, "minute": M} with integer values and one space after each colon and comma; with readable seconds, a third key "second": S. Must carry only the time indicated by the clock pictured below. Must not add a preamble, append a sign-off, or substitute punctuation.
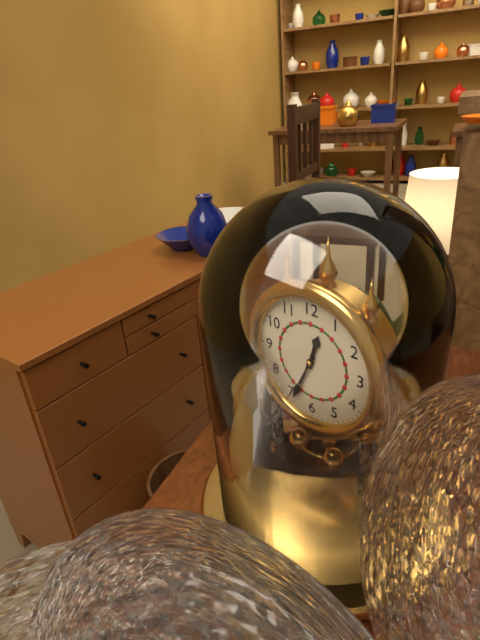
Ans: {"hour": 12, "minute": 34}
